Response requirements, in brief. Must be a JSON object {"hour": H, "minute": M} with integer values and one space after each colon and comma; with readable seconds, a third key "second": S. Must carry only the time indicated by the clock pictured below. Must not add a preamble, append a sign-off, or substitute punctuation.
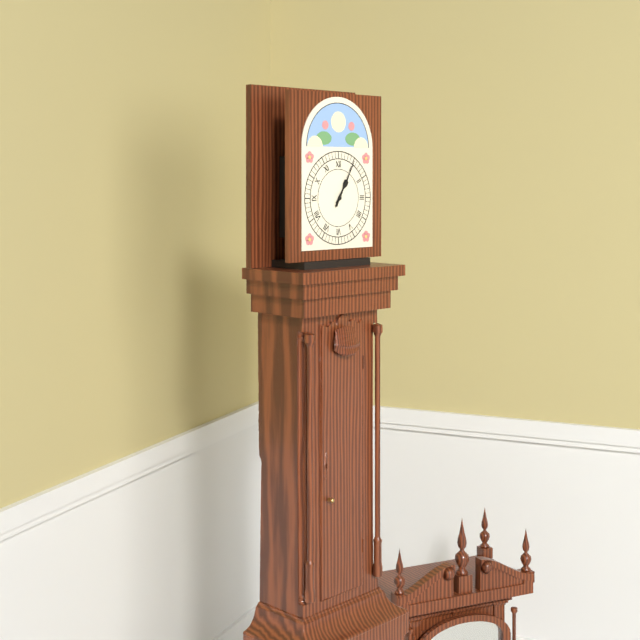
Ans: {"hour": 1, "minute": 5}
